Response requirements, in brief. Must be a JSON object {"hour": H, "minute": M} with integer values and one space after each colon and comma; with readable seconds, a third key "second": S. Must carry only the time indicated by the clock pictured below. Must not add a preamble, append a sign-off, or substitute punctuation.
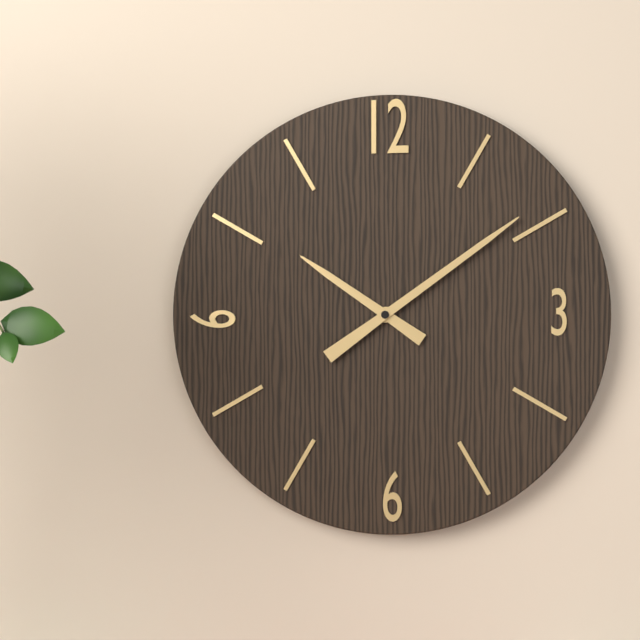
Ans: {"hour": 10, "minute": 9}
